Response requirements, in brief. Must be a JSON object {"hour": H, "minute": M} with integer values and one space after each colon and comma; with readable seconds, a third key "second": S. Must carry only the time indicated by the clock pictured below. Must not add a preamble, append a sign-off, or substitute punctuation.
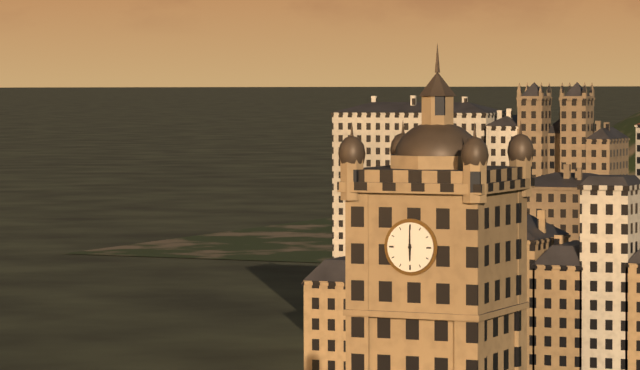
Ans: {"hour": 6, "minute": 0}
